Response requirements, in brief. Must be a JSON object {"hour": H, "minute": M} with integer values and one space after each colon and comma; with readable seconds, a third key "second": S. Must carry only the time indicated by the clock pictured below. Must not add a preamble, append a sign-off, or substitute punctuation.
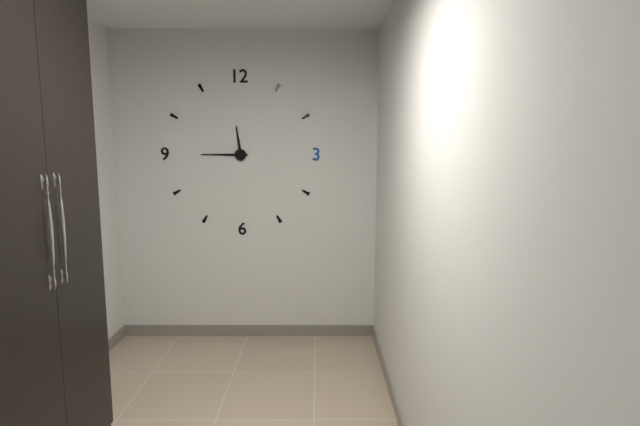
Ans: {"hour": 11, "minute": 45}
